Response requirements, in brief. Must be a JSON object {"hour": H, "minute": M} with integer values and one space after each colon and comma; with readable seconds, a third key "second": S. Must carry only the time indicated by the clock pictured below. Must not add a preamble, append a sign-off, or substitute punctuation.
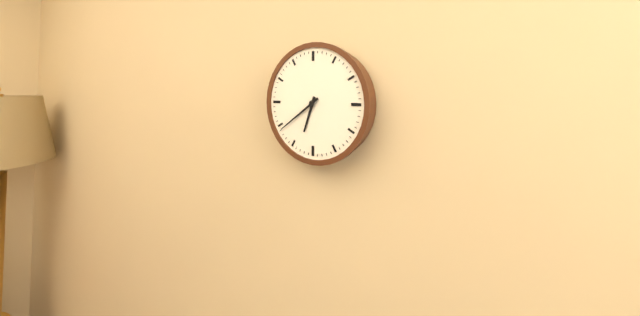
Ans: {"hour": 6, "minute": 39}
